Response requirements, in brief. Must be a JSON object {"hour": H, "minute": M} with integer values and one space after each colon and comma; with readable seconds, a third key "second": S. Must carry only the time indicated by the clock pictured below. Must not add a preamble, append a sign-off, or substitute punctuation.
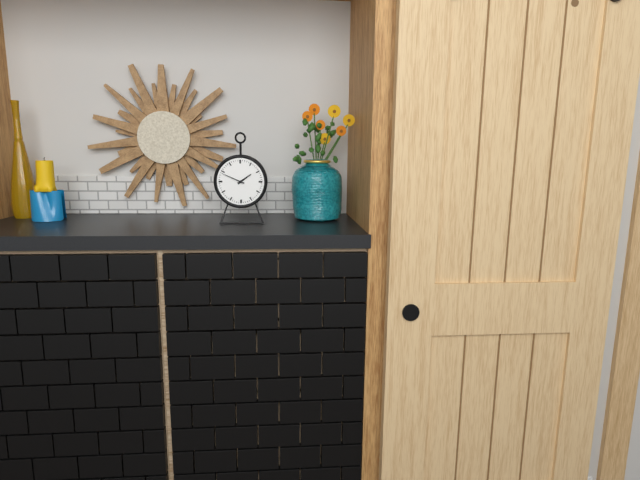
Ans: {"hour": 1, "minute": 49}
